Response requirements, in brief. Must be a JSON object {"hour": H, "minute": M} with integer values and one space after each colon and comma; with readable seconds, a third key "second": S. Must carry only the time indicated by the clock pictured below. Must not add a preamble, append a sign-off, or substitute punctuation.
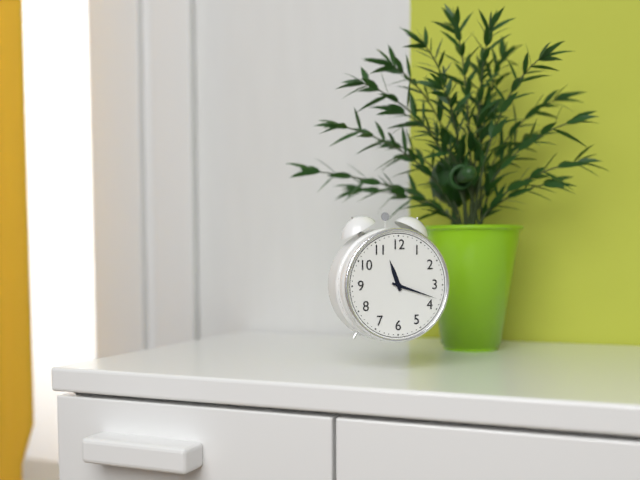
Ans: {"hour": 11, "minute": 18}
